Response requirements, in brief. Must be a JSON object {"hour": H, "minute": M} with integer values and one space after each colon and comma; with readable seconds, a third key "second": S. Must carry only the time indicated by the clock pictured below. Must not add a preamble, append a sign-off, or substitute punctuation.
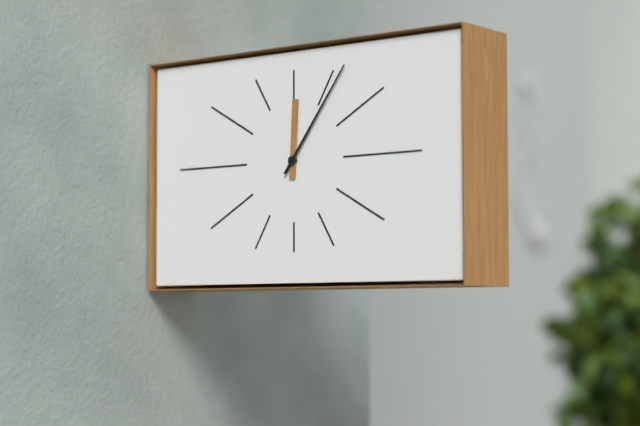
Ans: {"hour": 12, "minute": 6}
